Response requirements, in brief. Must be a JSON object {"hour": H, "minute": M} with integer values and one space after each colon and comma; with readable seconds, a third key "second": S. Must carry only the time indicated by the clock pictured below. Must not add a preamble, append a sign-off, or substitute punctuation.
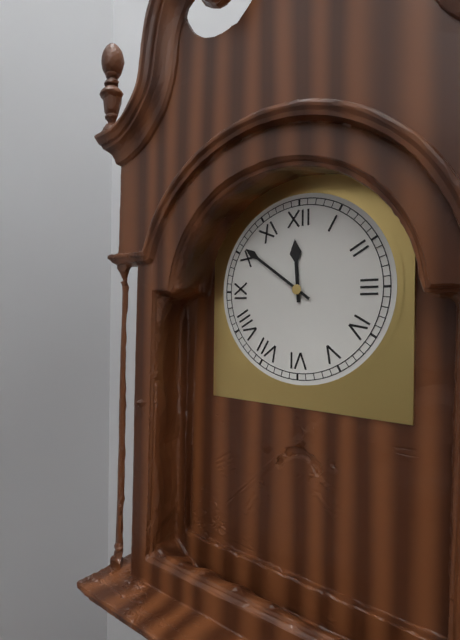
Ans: {"hour": 11, "minute": 51}
